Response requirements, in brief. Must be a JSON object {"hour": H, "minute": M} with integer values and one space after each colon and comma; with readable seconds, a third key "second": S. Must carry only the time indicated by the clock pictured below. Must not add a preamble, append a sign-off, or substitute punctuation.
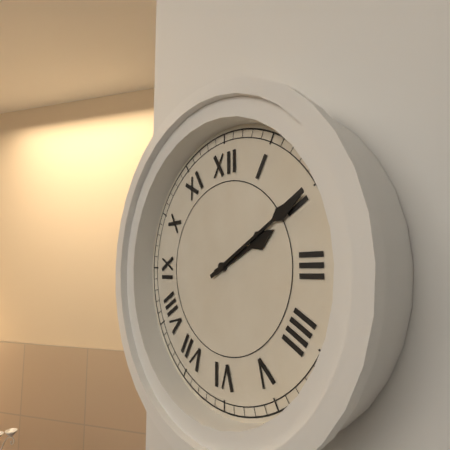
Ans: {"hour": 2, "minute": 10}
